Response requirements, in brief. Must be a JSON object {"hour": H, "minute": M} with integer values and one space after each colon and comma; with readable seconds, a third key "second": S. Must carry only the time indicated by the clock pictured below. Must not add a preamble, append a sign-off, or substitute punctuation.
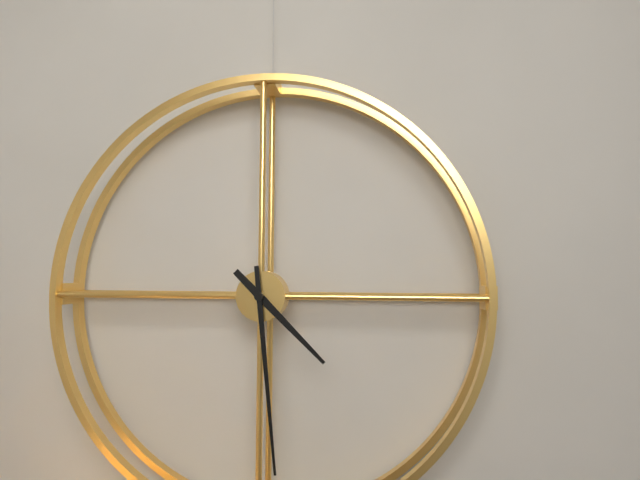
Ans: {"hour": 4, "minute": 29}
